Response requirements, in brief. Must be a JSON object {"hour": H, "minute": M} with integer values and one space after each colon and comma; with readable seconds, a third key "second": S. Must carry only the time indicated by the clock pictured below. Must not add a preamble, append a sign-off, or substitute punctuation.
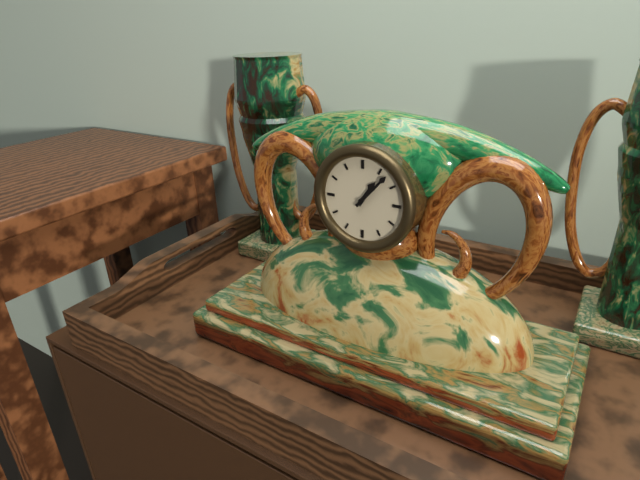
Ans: {"hour": 1, "minute": 7}
